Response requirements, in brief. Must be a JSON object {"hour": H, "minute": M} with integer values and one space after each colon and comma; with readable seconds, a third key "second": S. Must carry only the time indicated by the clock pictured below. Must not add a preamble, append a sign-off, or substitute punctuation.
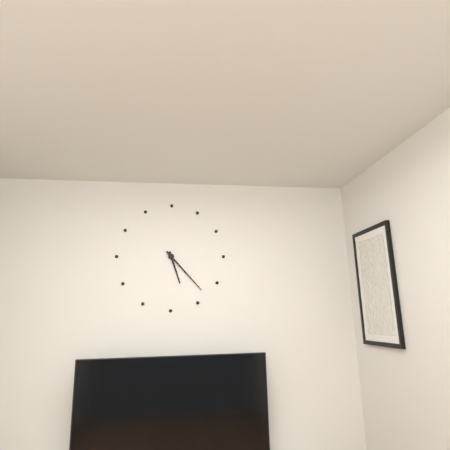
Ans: {"hour": 5, "minute": 23}
